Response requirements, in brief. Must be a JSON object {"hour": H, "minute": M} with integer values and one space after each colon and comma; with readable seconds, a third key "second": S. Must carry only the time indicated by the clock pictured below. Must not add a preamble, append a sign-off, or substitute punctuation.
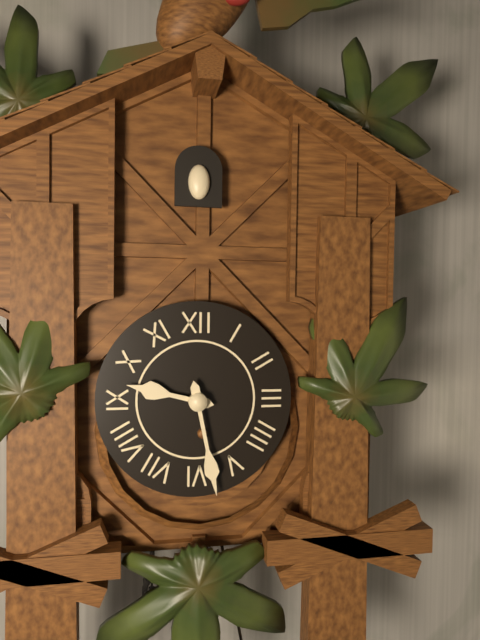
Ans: {"hour": 9, "minute": 28}
